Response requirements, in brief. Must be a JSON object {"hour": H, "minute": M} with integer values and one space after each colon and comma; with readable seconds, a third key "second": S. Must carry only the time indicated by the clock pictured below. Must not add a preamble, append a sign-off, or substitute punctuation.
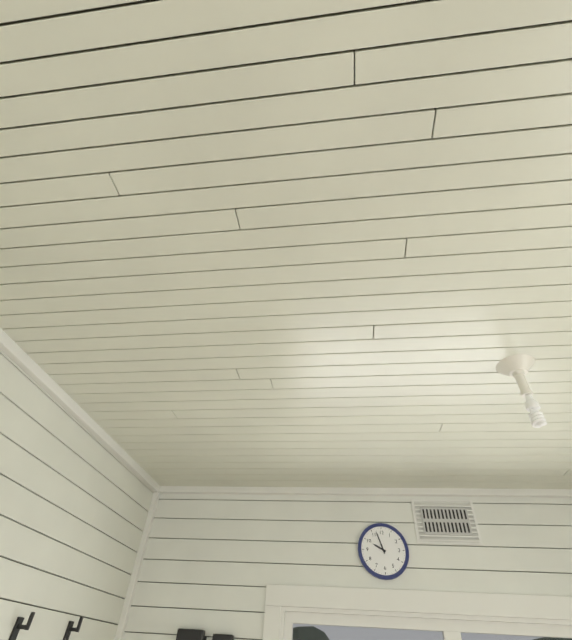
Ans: {"hour": 9, "minute": 57}
